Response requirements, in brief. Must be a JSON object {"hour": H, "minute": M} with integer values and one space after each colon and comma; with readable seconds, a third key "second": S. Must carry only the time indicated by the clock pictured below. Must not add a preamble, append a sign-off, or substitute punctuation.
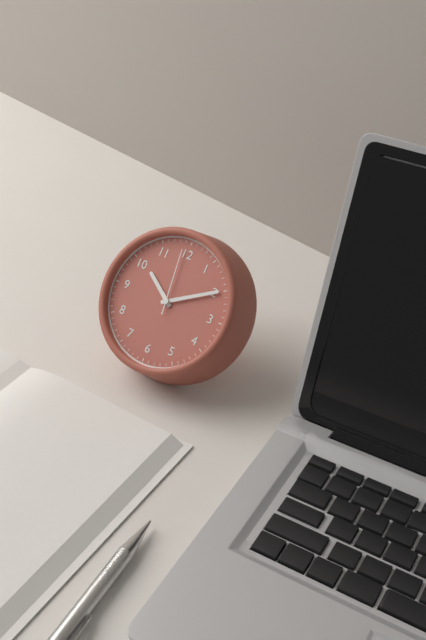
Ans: {"hour": 10, "minute": 10, "second": 59}
